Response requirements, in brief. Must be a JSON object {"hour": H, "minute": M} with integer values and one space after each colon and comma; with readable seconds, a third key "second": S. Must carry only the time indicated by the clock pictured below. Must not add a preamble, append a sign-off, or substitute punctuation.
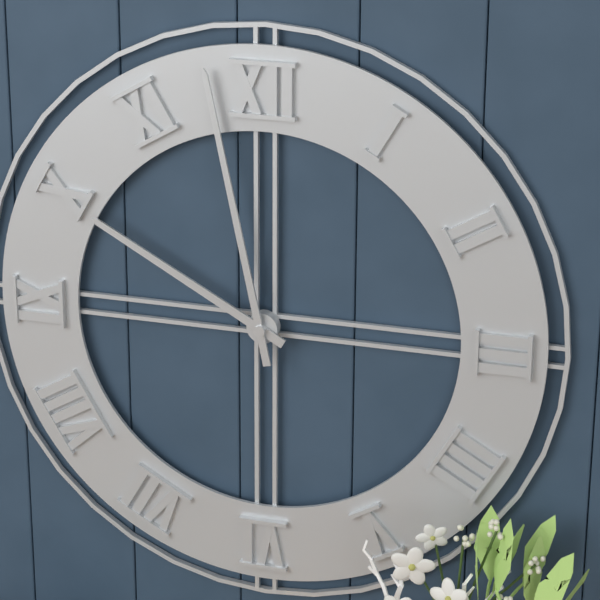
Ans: {"hour": 9, "minute": 58}
